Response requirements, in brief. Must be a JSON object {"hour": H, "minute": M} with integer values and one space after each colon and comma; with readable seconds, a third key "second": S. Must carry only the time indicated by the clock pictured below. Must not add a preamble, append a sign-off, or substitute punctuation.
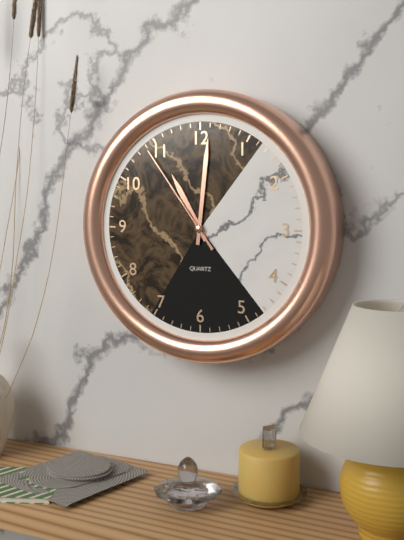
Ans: {"hour": 11, "minute": 1, "second": 54}
